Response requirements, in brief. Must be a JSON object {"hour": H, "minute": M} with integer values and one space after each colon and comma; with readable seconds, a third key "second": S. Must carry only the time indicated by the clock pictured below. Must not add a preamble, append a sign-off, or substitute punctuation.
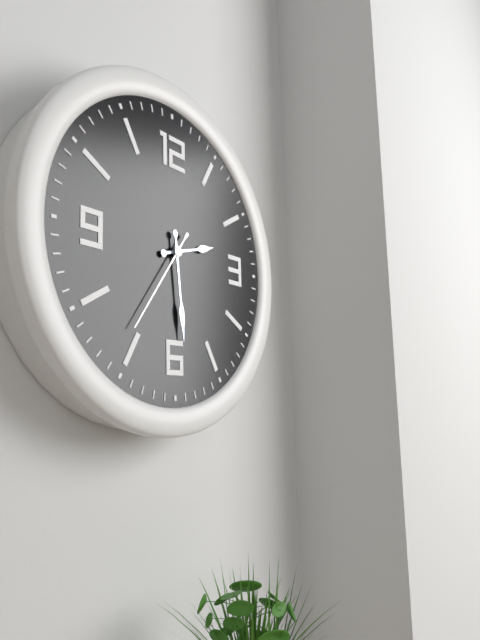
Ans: {"hour": 2, "minute": 29, "second": 36}
